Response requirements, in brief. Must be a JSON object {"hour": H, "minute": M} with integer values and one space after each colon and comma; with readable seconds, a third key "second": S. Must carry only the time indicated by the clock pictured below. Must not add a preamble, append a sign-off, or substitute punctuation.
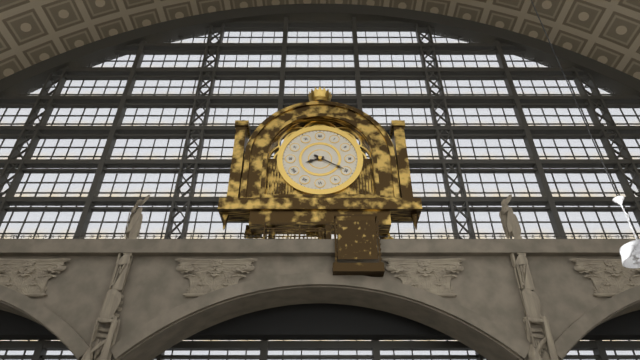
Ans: {"hour": 8, "minute": 20}
